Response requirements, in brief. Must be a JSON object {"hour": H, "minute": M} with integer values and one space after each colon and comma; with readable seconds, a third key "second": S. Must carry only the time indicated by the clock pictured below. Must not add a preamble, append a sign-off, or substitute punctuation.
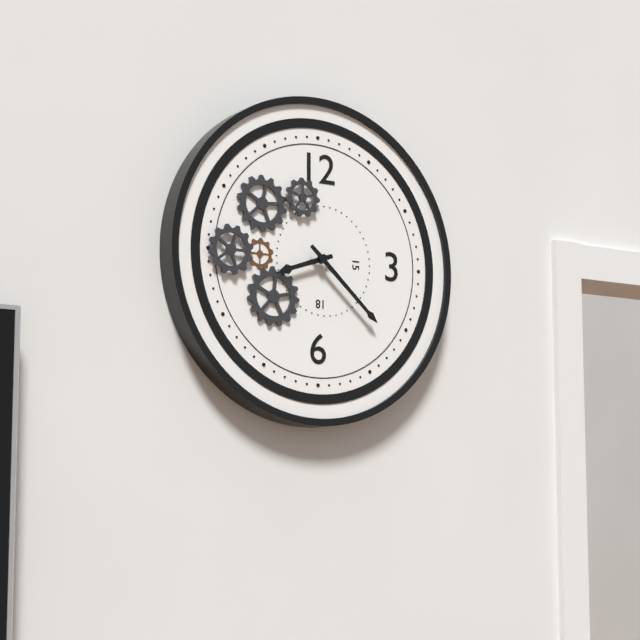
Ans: {"hour": 8, "minute": 22}
